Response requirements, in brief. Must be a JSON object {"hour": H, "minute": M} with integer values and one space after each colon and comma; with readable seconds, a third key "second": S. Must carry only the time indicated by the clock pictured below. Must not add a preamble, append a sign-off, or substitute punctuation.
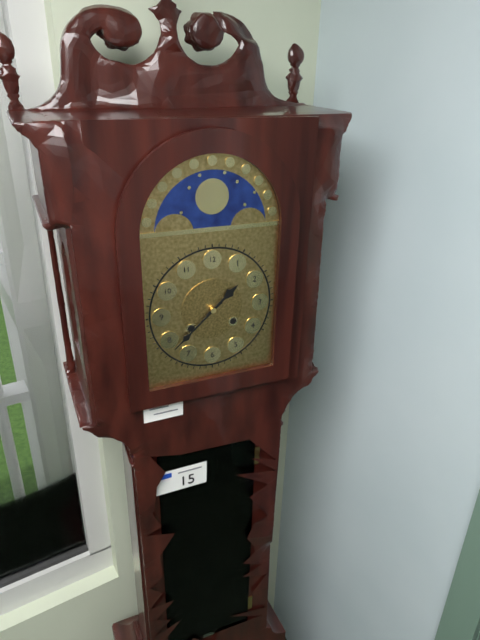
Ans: {"hour": 1, "minute": 38}
